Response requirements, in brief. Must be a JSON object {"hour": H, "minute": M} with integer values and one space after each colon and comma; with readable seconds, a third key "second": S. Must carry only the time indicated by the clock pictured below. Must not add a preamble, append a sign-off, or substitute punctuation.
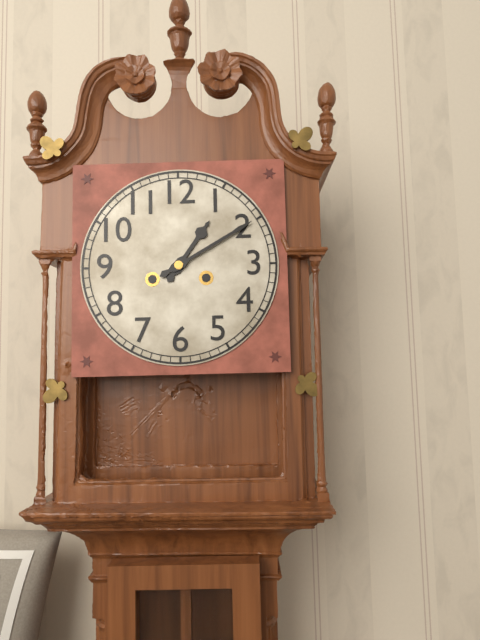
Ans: {"hour": 1, "minute": 10}
